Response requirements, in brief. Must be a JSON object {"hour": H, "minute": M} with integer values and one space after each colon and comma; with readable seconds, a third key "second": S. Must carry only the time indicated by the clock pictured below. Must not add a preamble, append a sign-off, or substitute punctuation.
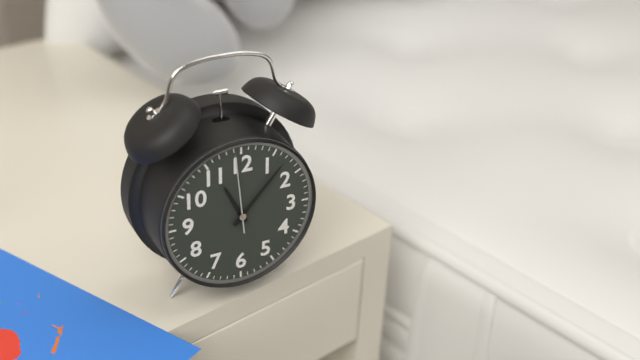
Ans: {"hour": 11, "minute": 7, "second": 59}
